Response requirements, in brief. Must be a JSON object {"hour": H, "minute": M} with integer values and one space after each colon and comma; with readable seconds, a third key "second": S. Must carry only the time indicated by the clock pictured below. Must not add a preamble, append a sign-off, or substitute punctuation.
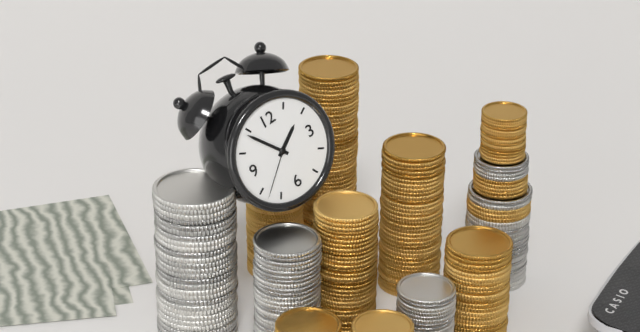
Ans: {"hour": 1, "minute": 54, "second": 38}
